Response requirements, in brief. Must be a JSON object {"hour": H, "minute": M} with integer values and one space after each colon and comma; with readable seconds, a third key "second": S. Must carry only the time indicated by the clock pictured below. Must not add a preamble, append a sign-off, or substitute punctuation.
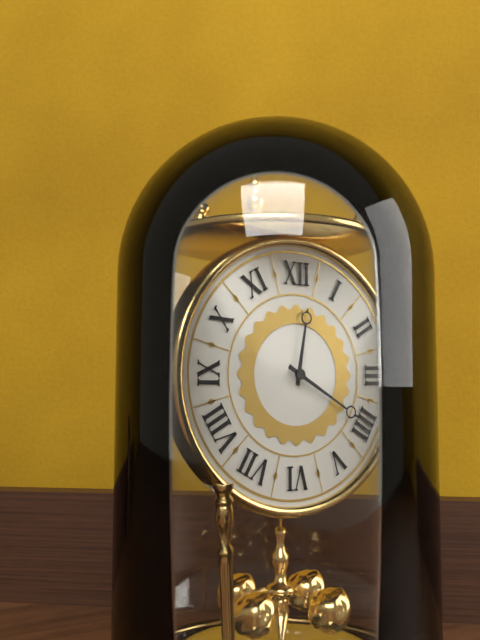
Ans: {"hour": 12, "minute": 20}
